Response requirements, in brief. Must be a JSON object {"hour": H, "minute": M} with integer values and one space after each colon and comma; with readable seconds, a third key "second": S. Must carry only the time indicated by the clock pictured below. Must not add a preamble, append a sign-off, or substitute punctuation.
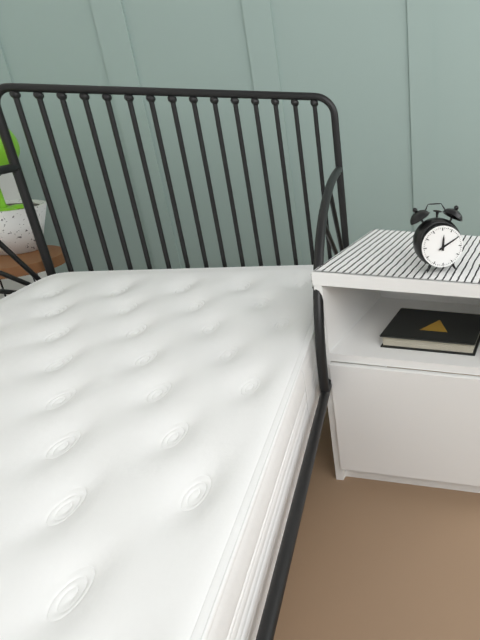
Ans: {"hour": 12, "minute": 10}
